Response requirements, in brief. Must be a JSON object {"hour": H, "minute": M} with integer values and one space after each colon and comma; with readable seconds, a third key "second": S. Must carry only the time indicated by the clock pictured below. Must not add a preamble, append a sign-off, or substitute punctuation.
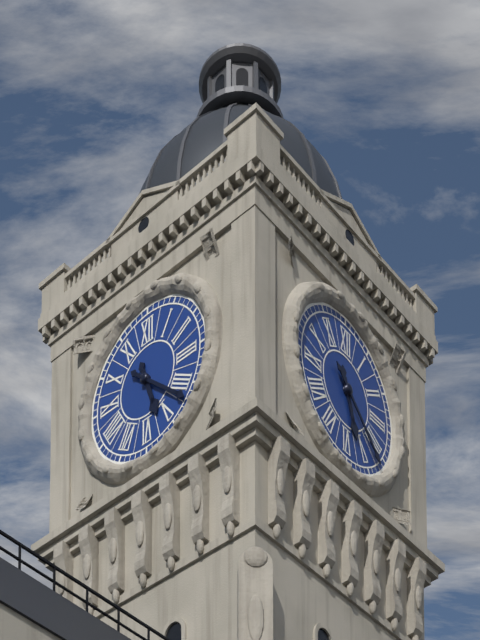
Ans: {"hour": 5, "minute": 22}
